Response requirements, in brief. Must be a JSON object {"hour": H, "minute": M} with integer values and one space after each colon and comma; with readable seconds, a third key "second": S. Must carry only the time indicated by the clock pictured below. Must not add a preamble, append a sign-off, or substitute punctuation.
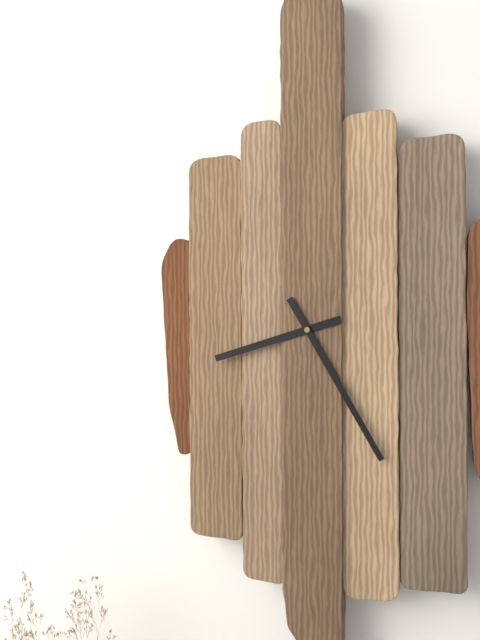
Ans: {"hour": 8, "minute": 25}
